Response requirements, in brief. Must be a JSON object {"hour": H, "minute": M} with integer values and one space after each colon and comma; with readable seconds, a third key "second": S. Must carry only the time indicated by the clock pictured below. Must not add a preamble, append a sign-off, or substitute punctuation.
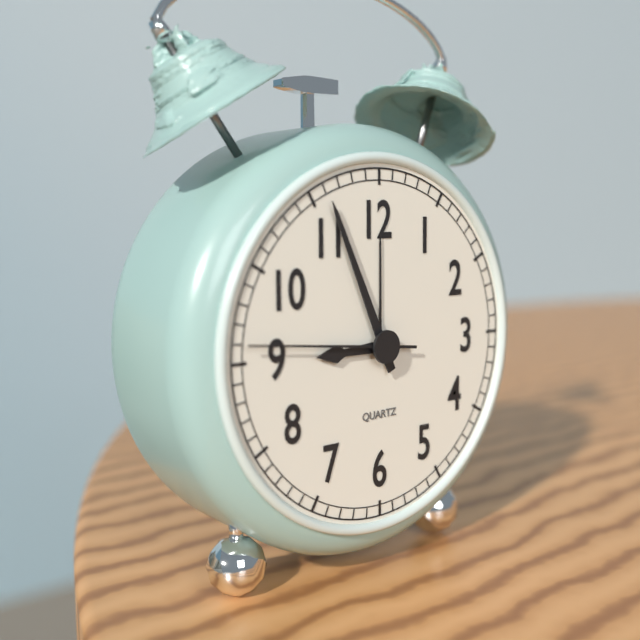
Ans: {"hour": 8, "minute": 56, "second": 46}
